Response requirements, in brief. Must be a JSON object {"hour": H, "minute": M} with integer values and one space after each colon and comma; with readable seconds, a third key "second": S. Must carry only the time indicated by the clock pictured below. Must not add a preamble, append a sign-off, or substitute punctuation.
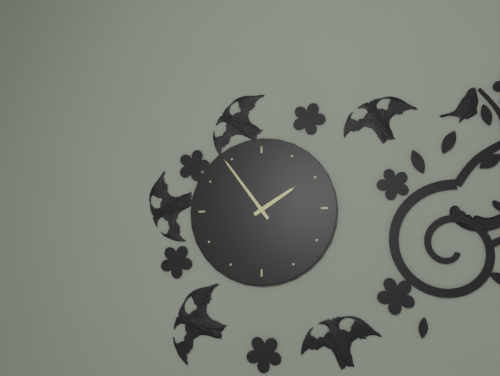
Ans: {"hour": 1, "minute": 54}
